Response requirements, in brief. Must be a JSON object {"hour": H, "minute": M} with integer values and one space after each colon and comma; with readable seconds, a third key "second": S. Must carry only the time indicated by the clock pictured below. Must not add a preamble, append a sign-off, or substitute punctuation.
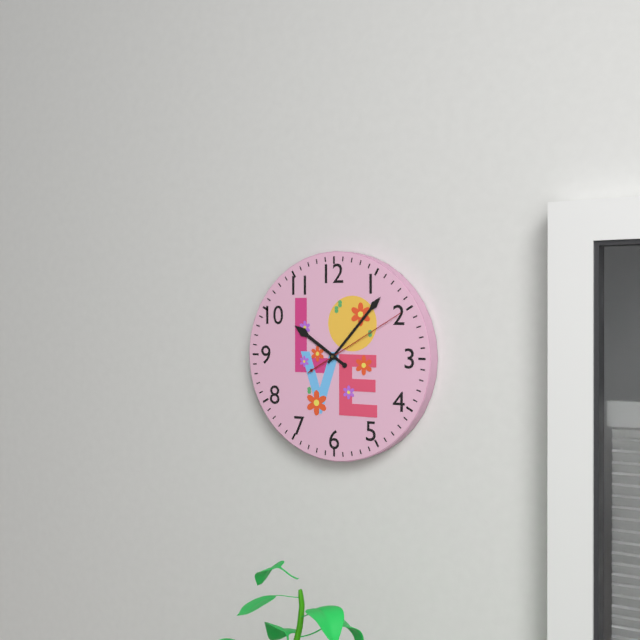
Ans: {"hour": 10, "minute": 7, "second": 10}
